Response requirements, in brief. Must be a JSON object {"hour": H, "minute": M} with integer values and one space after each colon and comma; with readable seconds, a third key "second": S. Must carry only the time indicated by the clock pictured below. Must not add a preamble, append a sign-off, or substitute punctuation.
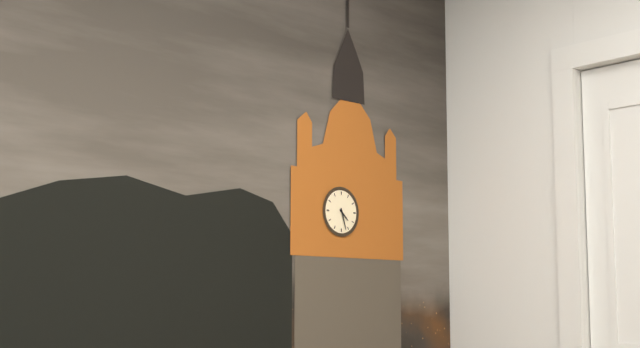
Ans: {"hour": 4, "minute": 27}
